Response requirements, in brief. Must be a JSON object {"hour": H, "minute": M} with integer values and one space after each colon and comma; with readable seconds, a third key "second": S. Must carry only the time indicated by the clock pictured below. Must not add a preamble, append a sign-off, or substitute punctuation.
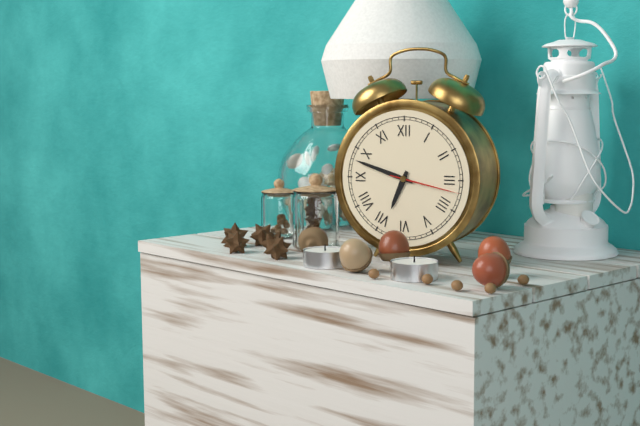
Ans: {"hour": 6, "minute": 48, "second": 17}
